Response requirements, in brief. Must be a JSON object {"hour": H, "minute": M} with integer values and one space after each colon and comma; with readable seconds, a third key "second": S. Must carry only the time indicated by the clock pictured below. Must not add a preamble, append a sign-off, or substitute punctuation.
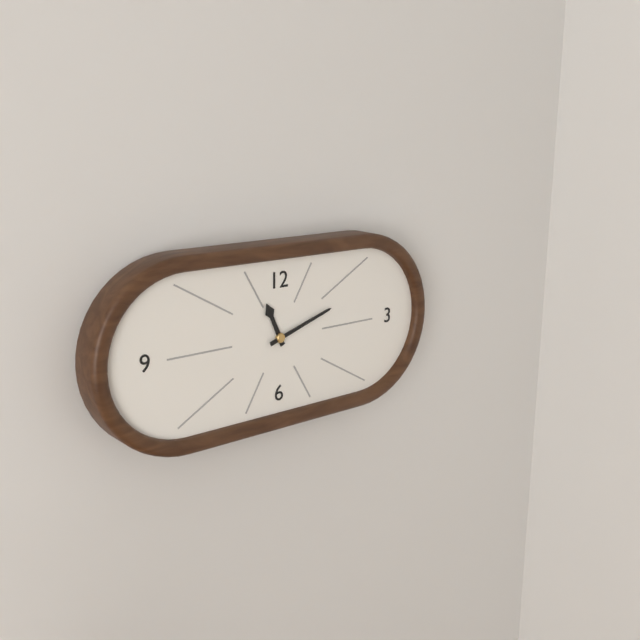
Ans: {"hour": 11, "minute": 12}
